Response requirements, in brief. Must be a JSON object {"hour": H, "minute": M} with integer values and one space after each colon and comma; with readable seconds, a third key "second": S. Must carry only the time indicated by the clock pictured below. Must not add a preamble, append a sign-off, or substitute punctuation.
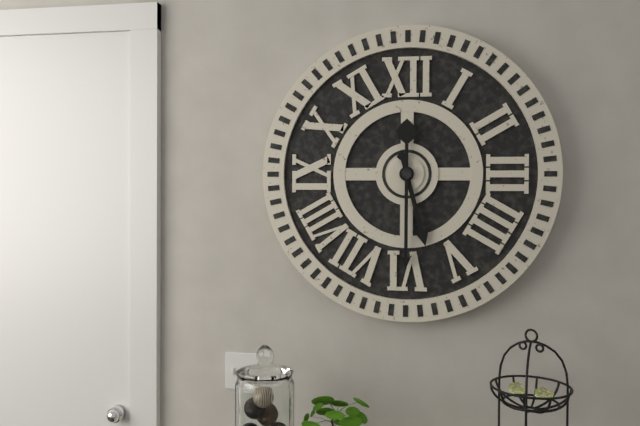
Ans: {"hour": 5, "minute": 30}
